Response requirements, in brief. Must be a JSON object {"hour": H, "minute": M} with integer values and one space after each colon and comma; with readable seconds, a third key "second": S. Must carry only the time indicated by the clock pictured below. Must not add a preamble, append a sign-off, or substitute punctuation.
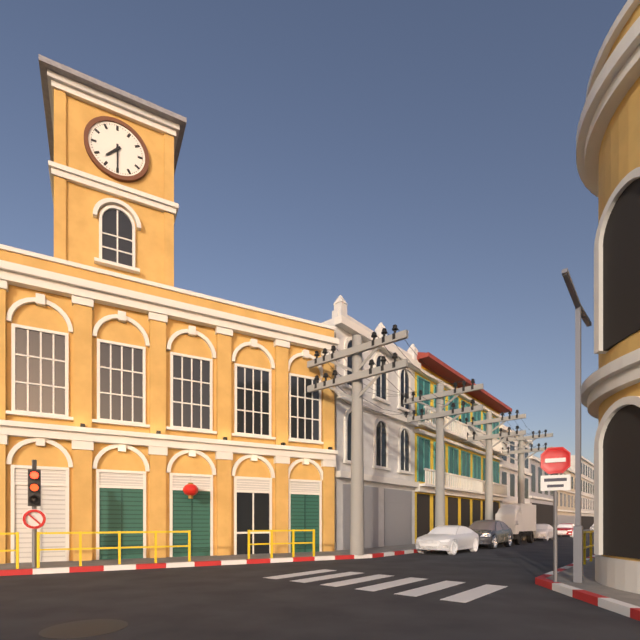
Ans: {"hour": 7, "minute": 30}
